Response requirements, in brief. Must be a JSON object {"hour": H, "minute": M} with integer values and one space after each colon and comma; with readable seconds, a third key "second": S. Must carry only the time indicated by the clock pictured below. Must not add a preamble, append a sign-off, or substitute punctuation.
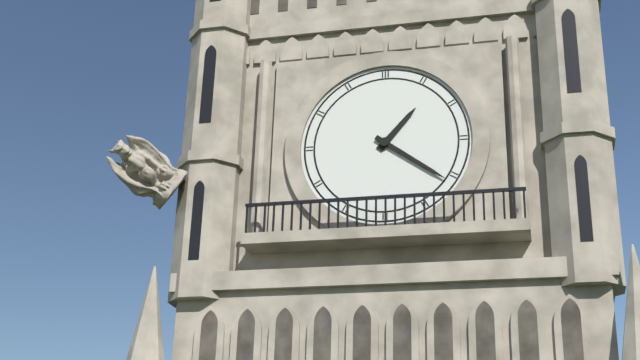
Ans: {"hour": 1, "minute": 21}
